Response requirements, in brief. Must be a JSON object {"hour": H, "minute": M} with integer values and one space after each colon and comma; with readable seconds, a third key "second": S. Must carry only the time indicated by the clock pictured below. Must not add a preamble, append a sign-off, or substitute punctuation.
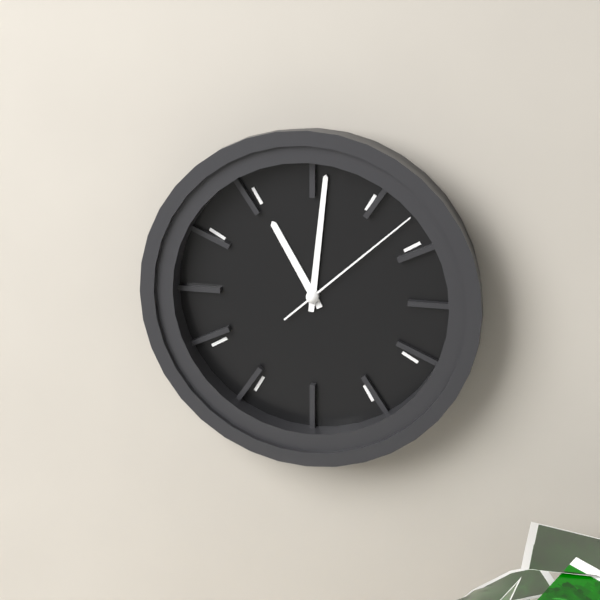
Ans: {"hour": 11, "minute": 1, "second": 8}
